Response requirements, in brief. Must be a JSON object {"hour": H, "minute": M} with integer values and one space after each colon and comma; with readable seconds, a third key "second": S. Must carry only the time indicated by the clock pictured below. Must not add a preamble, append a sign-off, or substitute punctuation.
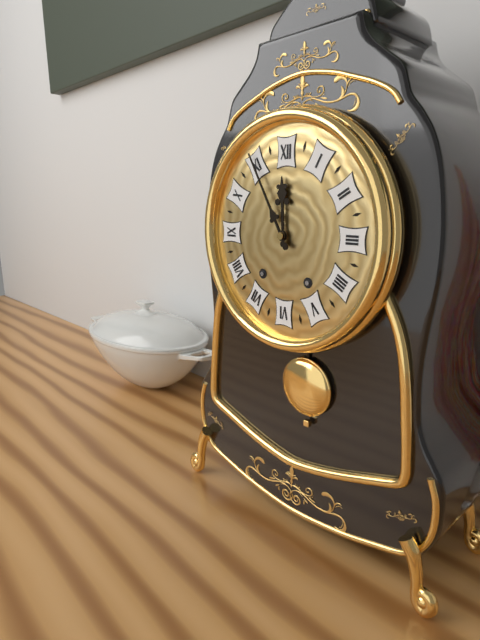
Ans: {"hour": 11, "minute": 55}
